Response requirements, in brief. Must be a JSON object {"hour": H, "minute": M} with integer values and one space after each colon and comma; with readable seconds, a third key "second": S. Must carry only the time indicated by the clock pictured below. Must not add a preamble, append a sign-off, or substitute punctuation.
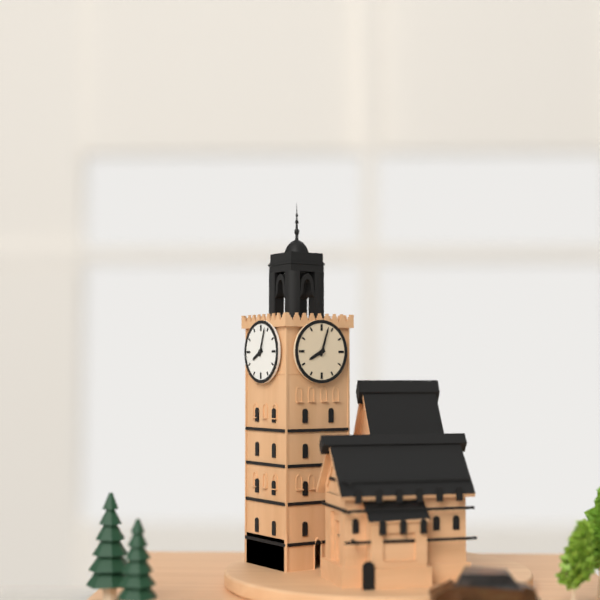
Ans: {"hour": 8, "minute": 3}
